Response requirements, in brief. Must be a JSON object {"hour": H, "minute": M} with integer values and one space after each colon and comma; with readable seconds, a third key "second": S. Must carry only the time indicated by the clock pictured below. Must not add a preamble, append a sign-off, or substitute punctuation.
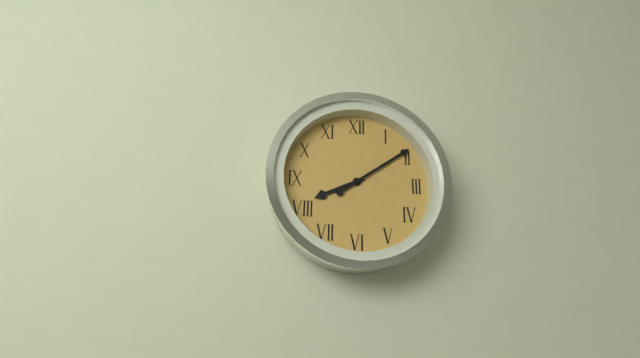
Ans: {"hour": 8, "minute": 9}
